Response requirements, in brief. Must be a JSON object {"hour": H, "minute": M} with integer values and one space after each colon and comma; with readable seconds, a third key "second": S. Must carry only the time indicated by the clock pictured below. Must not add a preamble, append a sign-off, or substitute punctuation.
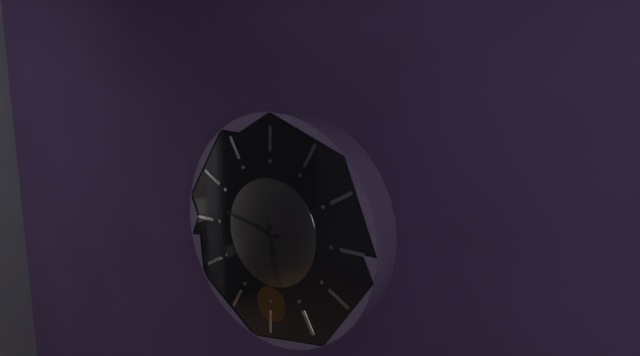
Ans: {"hour": 5, "minute": 47, "second": 28}
